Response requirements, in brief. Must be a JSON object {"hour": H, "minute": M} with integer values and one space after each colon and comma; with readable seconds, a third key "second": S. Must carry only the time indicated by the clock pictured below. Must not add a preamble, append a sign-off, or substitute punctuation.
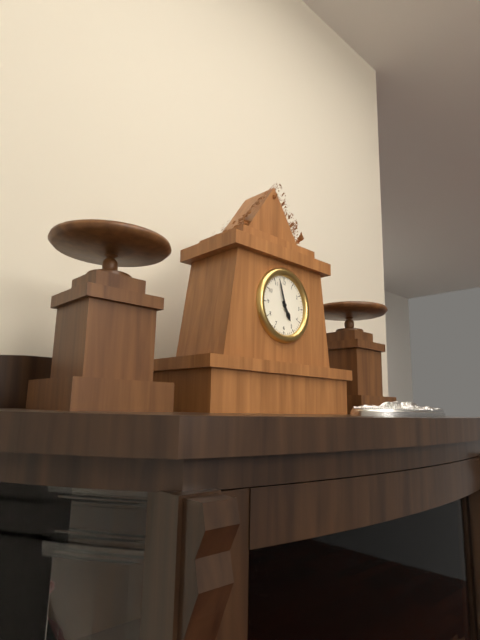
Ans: {"hour": 4, "minute": 57}
